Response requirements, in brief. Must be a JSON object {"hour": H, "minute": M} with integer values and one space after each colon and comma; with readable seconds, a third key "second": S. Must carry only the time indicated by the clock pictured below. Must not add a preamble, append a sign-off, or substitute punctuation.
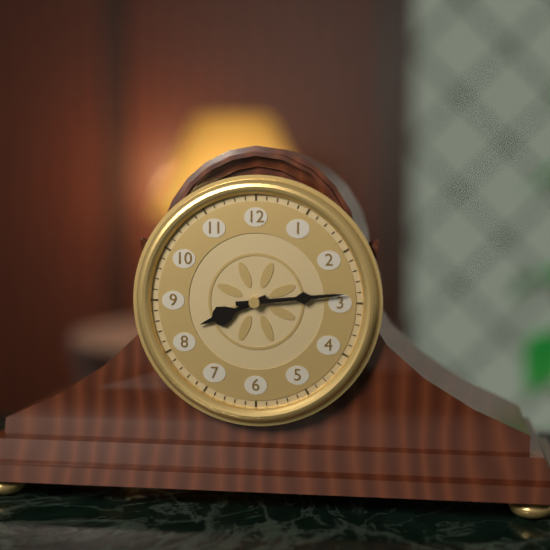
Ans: {"hour": 8, "minute": 14}
